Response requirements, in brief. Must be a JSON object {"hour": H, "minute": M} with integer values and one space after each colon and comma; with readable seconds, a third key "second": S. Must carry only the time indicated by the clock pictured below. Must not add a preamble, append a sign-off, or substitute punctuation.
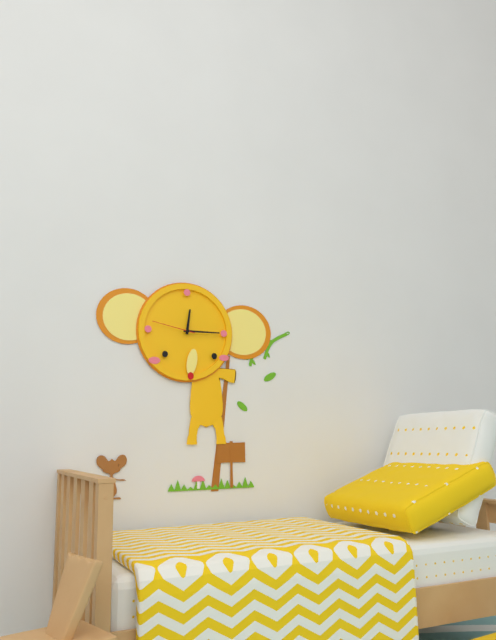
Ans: {"hour": 12, "minute": 15}
